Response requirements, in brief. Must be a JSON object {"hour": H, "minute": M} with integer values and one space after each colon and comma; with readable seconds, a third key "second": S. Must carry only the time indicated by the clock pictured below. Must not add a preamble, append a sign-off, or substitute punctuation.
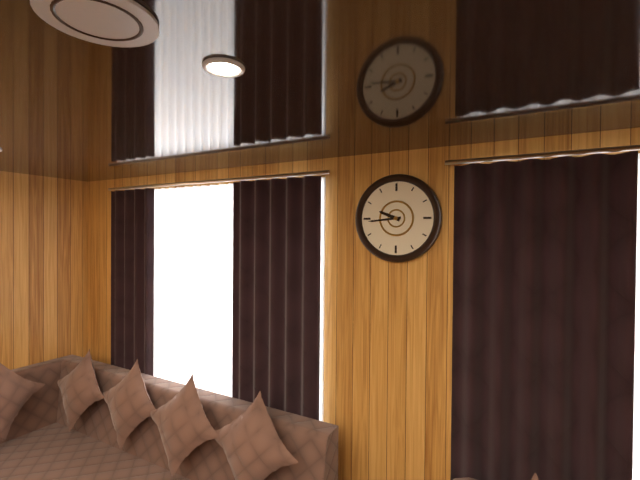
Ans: {"hour": 9, "minute": 44}
